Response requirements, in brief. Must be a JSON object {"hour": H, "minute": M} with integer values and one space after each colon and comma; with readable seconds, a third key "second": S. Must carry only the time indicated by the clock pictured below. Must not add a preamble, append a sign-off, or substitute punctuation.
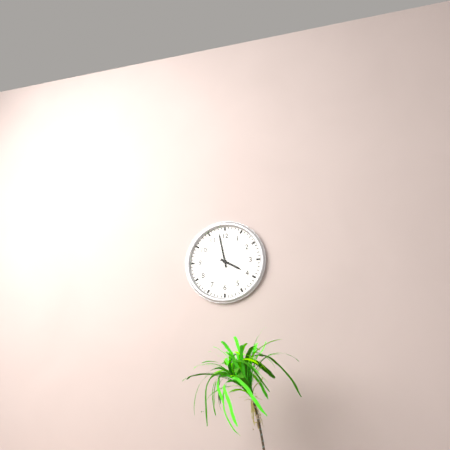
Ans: {"hour": 3, "minute": 58}
